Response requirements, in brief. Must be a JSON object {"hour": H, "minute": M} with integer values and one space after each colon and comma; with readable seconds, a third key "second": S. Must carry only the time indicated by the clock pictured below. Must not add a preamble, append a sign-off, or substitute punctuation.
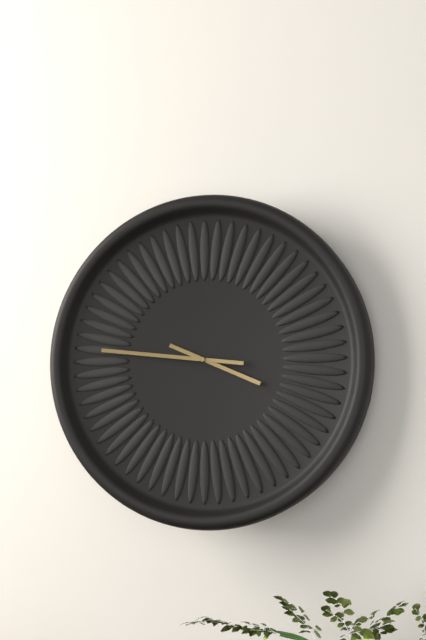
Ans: {"hour": 3, "minute": 46}
